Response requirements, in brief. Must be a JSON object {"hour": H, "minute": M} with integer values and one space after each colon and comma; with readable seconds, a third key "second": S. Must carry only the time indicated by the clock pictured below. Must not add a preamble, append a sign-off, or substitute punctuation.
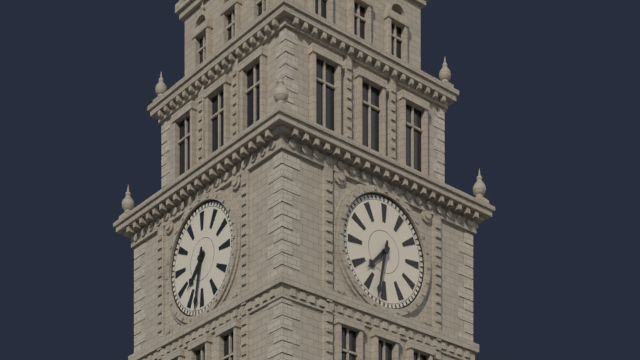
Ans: {"hour": 7, "minute": 32}
